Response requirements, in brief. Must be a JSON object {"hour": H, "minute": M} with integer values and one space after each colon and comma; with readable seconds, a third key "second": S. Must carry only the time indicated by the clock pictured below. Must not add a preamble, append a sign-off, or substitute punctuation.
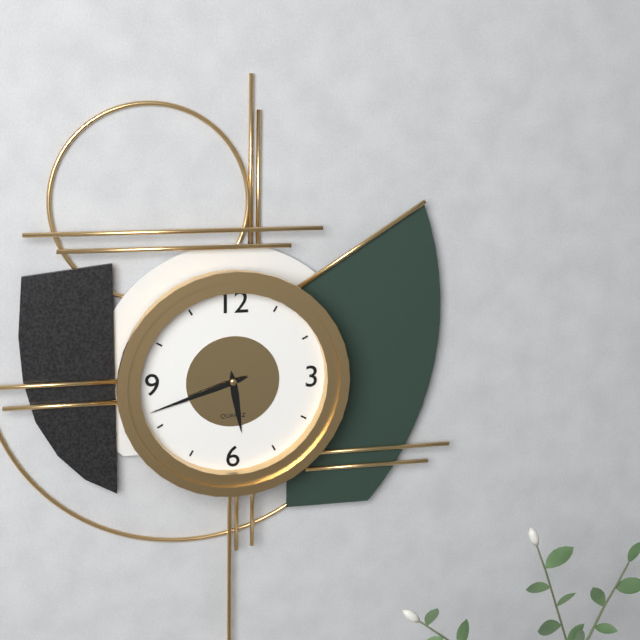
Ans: {"hour": 5, "minute": 42}
